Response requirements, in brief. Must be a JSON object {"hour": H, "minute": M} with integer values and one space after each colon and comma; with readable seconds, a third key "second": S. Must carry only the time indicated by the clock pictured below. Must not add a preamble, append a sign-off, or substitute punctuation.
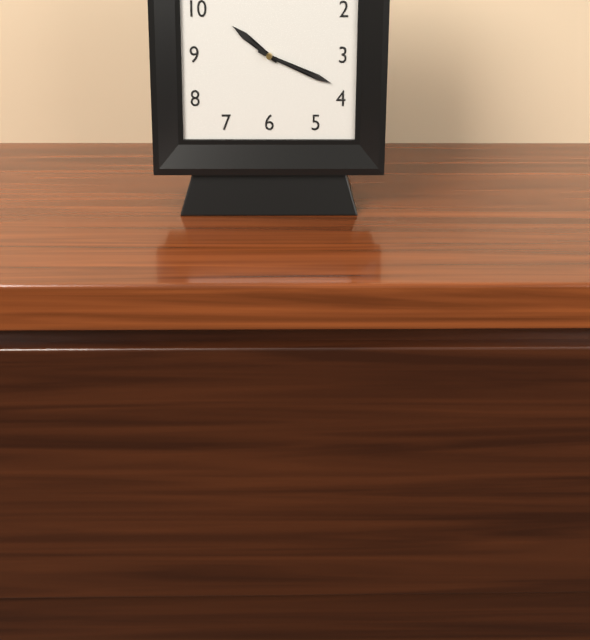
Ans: {"hour": 10, "minute": 19}
